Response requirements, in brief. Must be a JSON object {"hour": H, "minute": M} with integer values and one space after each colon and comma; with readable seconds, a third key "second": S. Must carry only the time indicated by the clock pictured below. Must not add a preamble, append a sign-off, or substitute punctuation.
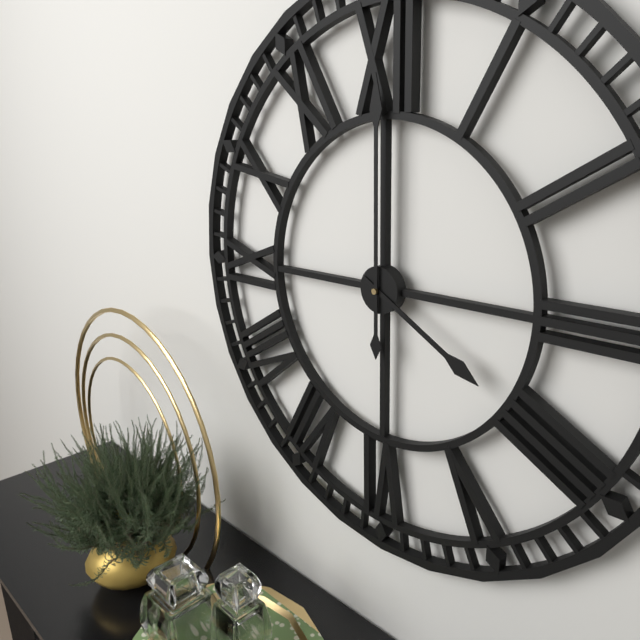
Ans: {"hour": 4, "minute": 0}
